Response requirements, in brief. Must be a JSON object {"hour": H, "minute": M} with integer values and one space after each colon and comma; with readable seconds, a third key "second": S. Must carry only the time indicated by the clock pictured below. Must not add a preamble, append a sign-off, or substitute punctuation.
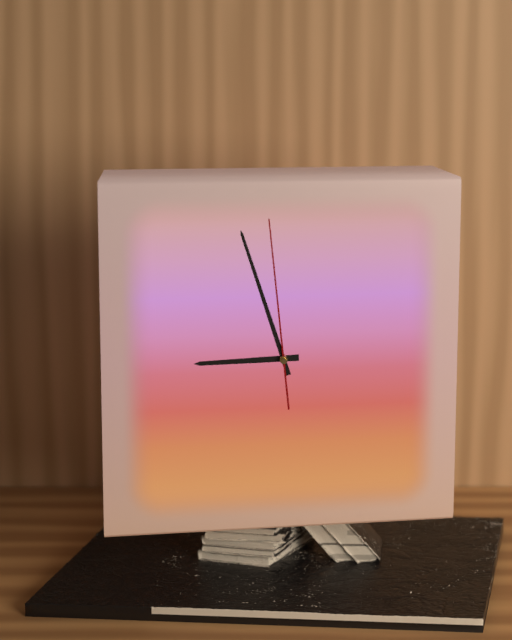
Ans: {"hour": 8, "minute": 57, "second": 59}
